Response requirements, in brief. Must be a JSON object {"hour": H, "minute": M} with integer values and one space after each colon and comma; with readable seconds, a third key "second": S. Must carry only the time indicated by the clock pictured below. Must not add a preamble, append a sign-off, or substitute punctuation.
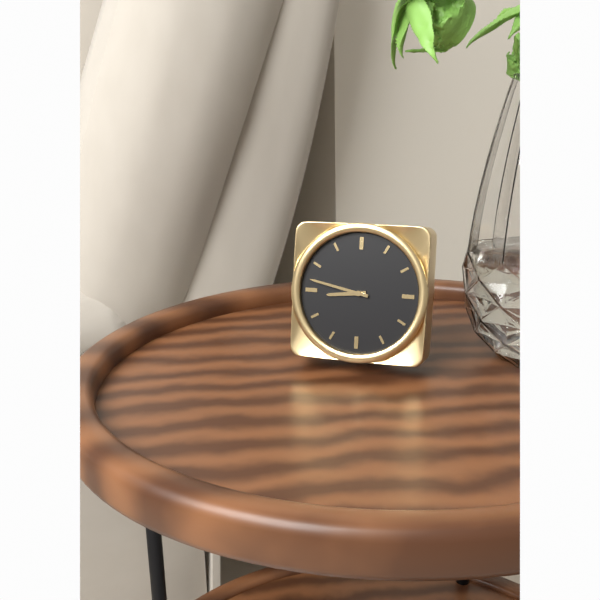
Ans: {"hour": 8, "minute": 47}
